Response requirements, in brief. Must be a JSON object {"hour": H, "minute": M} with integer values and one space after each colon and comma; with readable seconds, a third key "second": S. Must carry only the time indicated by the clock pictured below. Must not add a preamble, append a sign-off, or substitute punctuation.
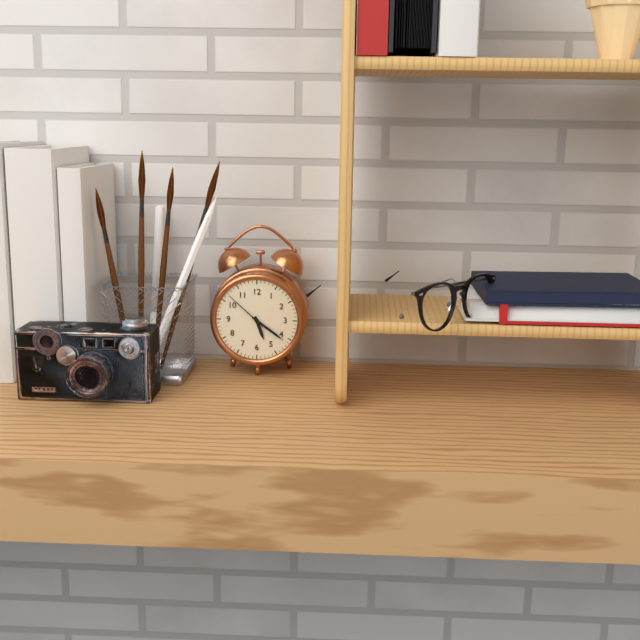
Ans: {"hour": 5, "minute": 21}
